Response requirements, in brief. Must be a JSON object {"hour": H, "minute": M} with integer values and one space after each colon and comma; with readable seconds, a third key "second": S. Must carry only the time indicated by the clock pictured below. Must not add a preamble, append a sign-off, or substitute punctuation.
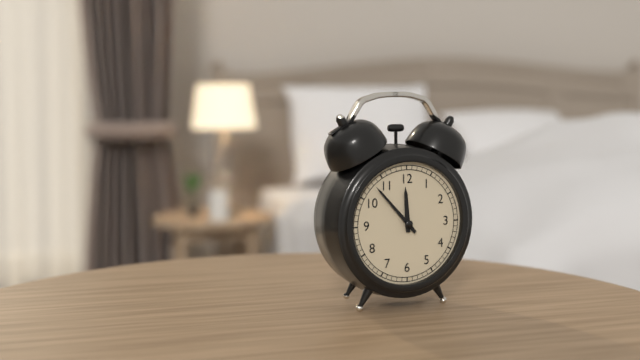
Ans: {"hour": 11, "minute": 53}
